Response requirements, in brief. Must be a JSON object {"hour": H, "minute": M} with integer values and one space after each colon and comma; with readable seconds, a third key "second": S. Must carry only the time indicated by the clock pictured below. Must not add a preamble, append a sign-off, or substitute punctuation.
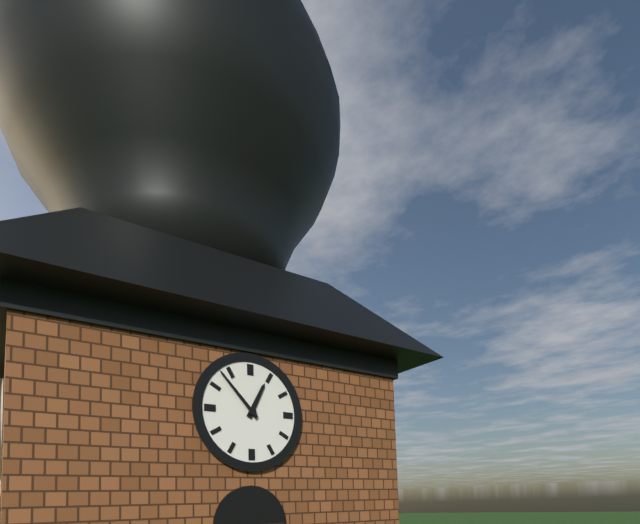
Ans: {"hour": 12, "minute": 53}
